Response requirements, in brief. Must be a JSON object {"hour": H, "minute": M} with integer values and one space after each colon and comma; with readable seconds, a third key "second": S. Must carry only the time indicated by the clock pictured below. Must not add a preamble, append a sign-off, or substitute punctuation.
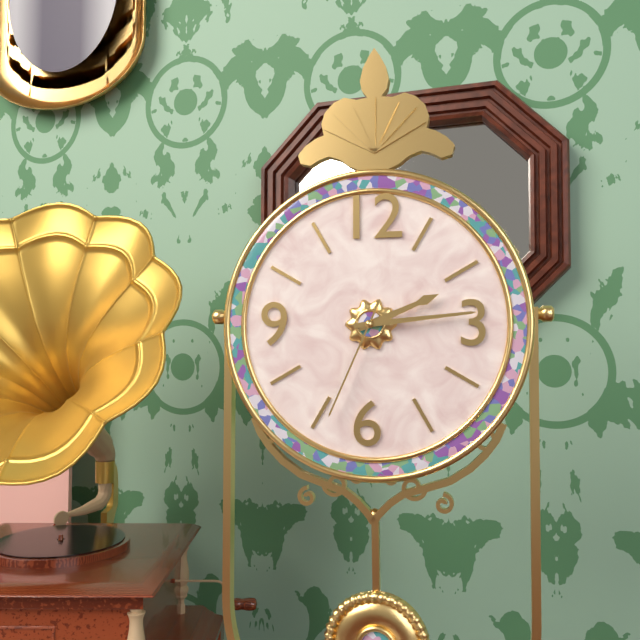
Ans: {"hour": 2, "minute": 14, "second": 34}
